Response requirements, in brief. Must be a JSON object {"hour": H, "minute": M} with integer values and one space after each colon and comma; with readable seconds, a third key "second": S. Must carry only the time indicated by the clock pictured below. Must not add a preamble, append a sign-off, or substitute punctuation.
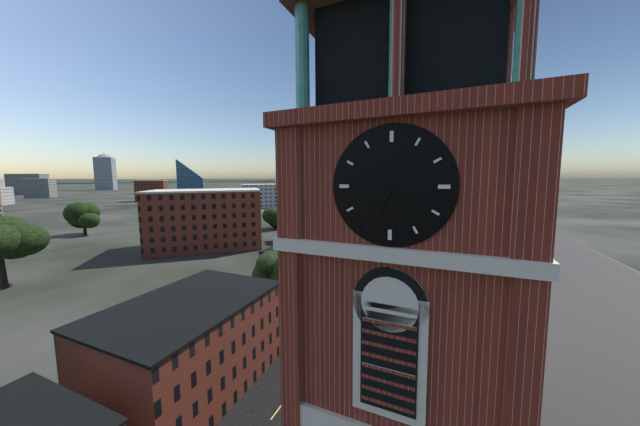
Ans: {"hour": 6, "minute": 46}
